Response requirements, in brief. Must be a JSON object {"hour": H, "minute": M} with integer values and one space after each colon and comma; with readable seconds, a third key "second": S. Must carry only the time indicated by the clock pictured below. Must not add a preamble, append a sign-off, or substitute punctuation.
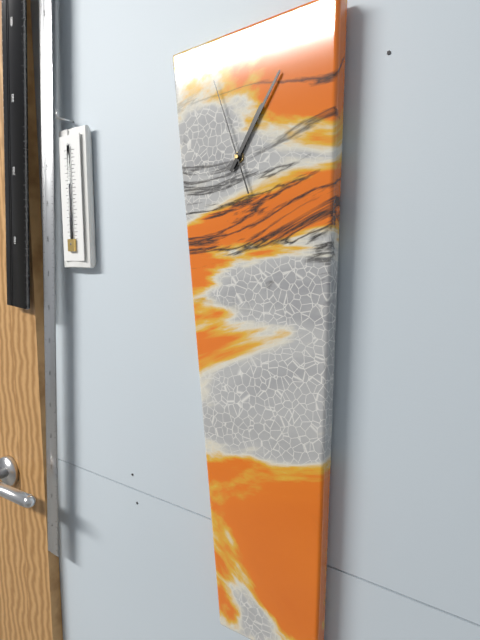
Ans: {"hour": 1, "minute": 6, "second": 57}
